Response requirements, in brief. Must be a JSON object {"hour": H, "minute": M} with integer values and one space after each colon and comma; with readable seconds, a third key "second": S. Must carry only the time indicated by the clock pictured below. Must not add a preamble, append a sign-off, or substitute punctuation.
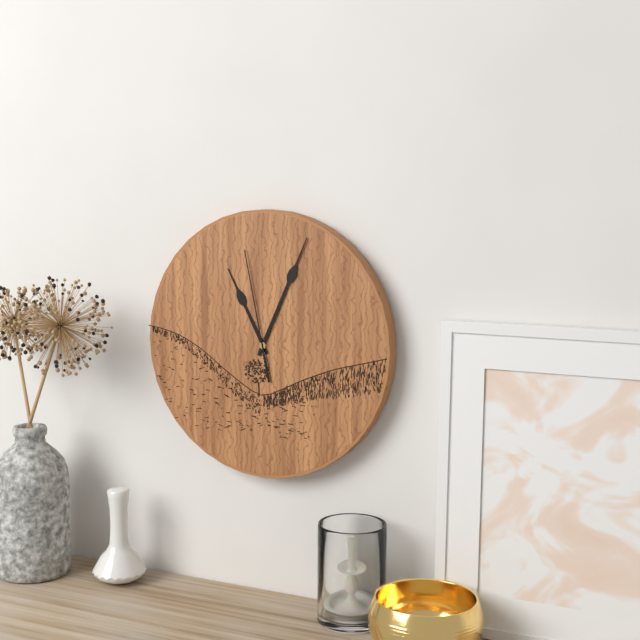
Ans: {"hour": 11, "minute": 4, "second": 58}
